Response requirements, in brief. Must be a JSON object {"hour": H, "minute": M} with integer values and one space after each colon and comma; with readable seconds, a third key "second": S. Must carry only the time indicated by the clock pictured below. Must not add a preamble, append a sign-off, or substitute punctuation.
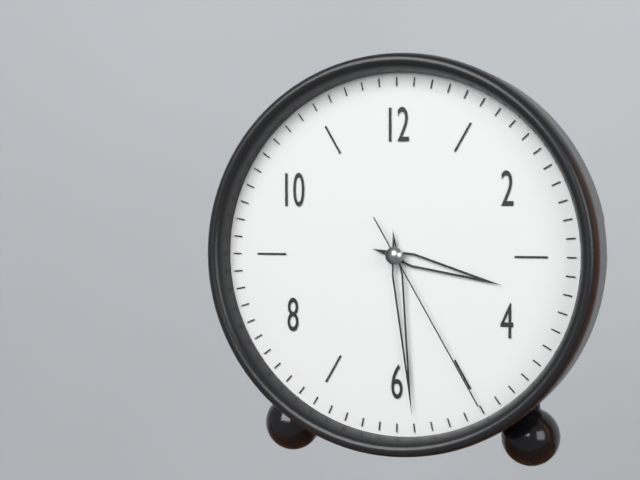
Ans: {"hour": 3, "minute": 29, "second": 25}
